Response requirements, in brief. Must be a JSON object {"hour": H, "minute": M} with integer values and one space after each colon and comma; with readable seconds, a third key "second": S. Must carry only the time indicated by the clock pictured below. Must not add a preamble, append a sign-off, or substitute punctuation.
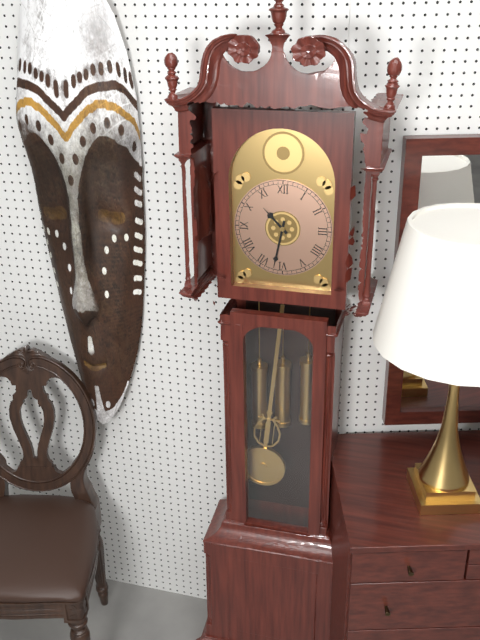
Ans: {"hour": 10, "minute": 32}
